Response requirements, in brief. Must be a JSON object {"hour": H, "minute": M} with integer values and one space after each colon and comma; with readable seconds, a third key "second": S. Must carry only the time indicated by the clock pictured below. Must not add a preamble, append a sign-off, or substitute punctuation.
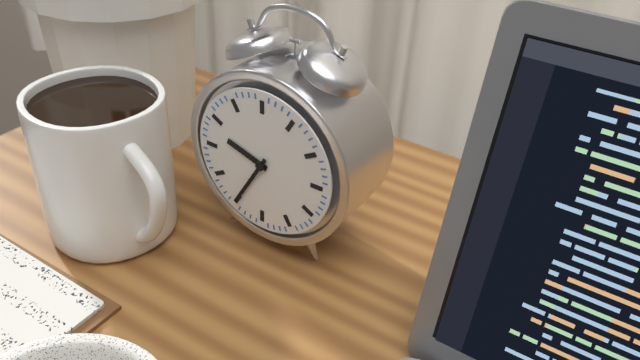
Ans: {"hour": 9, "minute": 35}
